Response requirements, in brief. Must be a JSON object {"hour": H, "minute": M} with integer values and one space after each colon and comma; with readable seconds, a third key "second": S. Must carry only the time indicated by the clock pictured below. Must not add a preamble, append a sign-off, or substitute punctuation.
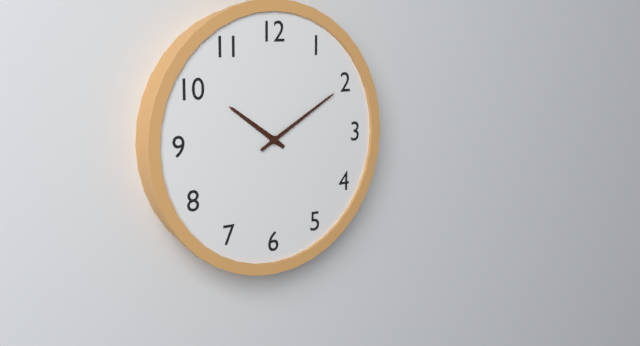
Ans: {"hour": 10, "minute": 10}
